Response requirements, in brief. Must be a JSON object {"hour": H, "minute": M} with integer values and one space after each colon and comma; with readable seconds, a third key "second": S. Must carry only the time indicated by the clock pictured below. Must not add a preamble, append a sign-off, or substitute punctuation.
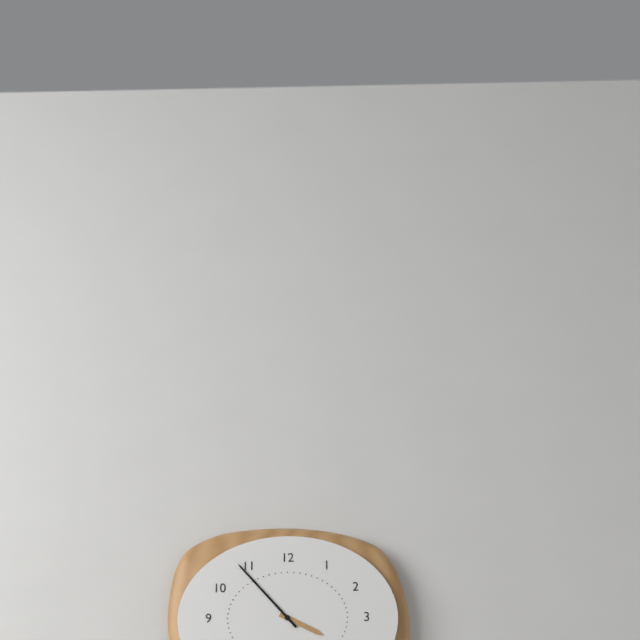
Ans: {"hour": 3, "minute": 53}
